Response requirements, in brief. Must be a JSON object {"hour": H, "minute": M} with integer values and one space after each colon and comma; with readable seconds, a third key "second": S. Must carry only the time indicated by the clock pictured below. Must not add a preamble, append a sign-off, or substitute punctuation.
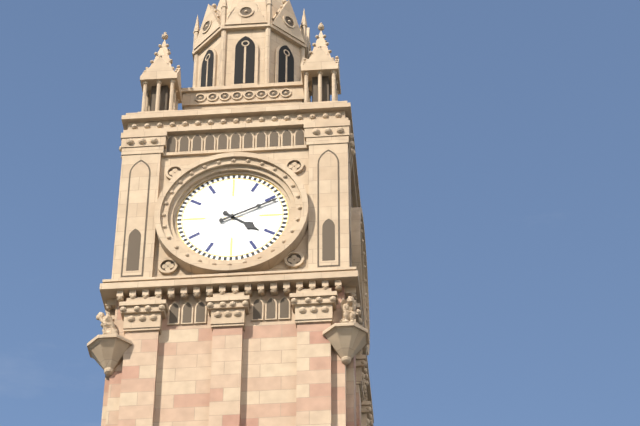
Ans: {"hour": 4, "minute": 11}
